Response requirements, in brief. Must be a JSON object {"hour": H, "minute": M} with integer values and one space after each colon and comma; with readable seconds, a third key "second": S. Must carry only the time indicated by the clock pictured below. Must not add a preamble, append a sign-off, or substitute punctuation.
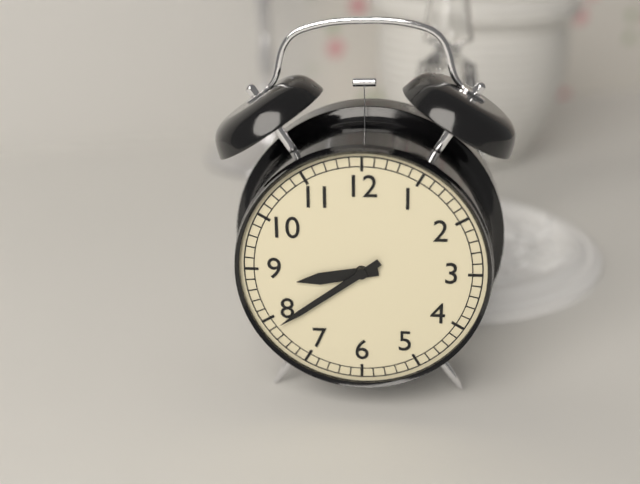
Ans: {"hour": 8, "minute": 39}
